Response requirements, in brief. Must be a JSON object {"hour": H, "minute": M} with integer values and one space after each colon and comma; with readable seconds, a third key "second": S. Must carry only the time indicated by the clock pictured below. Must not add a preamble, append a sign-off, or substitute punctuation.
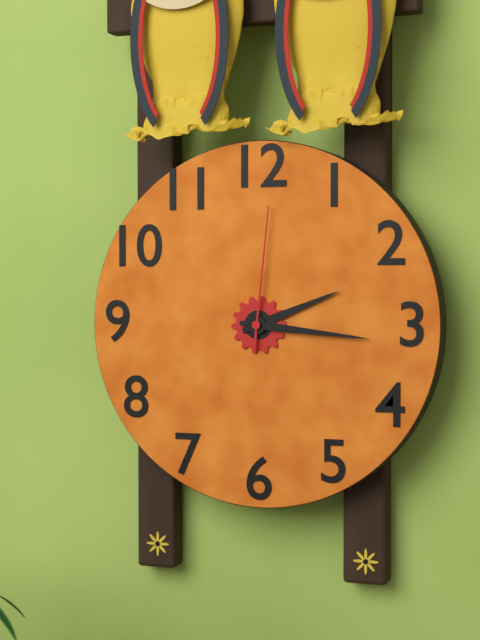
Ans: {"hour": 2, "minute": 16, "second": 1}
